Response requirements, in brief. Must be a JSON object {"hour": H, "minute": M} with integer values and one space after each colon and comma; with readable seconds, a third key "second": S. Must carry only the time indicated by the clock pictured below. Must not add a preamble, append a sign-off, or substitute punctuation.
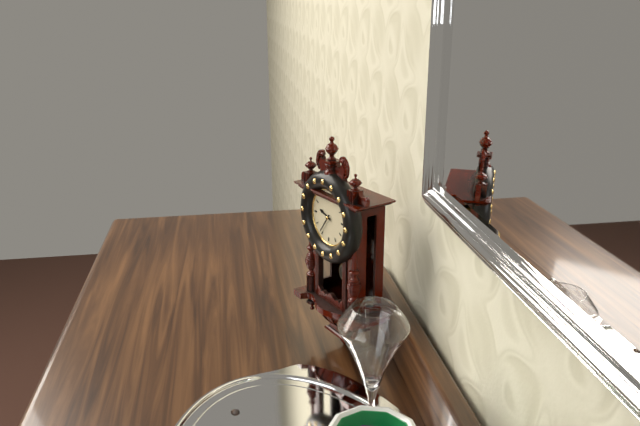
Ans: {"hour": 9, "minute": 36}
